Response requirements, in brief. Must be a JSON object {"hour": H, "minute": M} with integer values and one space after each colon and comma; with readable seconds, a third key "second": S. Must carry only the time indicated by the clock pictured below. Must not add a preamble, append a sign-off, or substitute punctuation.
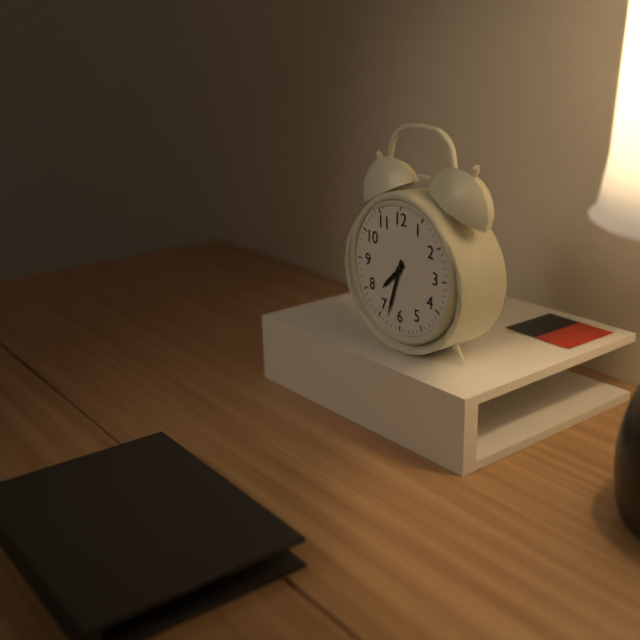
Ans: {"hour": 7, "minute": 33}
